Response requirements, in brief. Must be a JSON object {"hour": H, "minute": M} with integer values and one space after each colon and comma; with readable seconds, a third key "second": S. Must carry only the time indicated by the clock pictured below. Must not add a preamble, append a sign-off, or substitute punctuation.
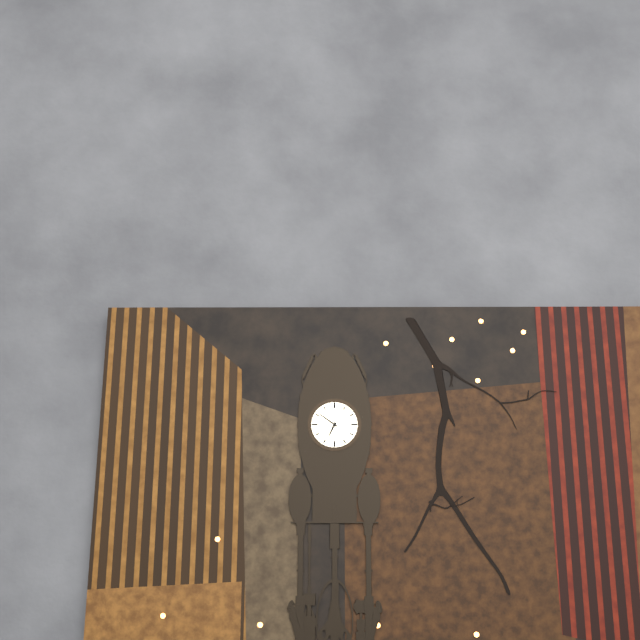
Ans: {"hour": 6, "minute": 51}
